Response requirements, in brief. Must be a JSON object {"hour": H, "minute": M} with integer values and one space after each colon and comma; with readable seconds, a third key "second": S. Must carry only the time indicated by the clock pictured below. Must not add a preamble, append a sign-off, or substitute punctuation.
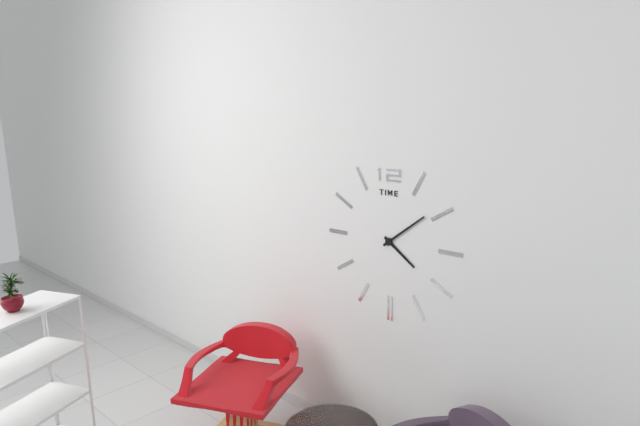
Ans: {"hour": 4, "minute": 9}
